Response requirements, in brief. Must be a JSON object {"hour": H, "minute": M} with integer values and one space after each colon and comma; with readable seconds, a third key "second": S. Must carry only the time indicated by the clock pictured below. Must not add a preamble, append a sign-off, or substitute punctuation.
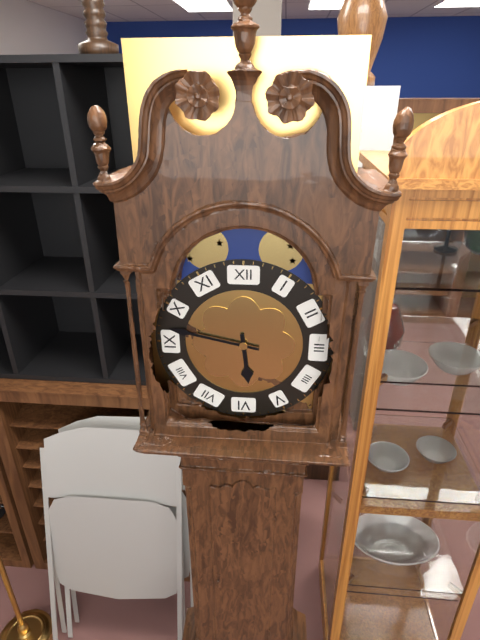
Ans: {"hour": 5, "minute": 47}
